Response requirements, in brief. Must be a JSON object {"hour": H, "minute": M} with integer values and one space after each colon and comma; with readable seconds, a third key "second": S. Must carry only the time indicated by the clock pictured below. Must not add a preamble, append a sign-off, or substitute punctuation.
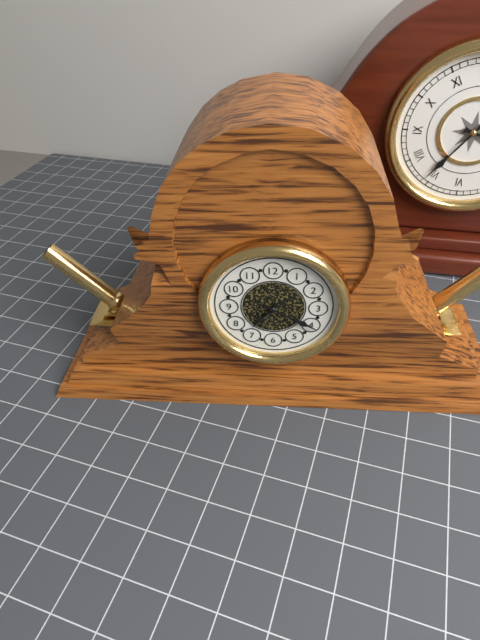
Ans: {"hour": 7, "minute": 20}
